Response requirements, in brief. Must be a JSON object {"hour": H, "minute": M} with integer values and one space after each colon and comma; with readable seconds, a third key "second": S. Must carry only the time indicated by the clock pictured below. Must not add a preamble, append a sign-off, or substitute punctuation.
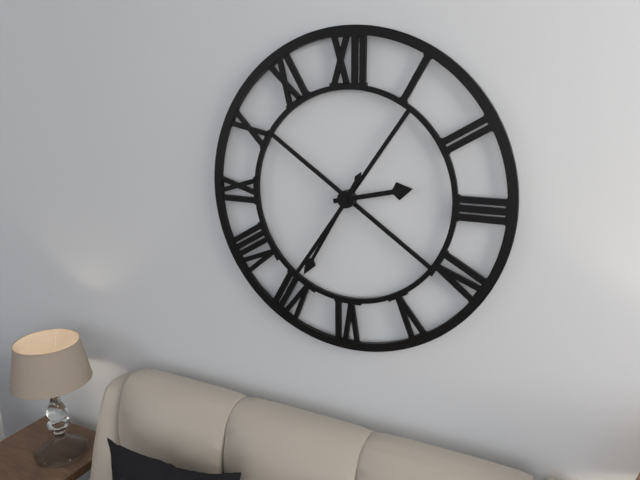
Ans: {"hour": 2, "minute": 35}
